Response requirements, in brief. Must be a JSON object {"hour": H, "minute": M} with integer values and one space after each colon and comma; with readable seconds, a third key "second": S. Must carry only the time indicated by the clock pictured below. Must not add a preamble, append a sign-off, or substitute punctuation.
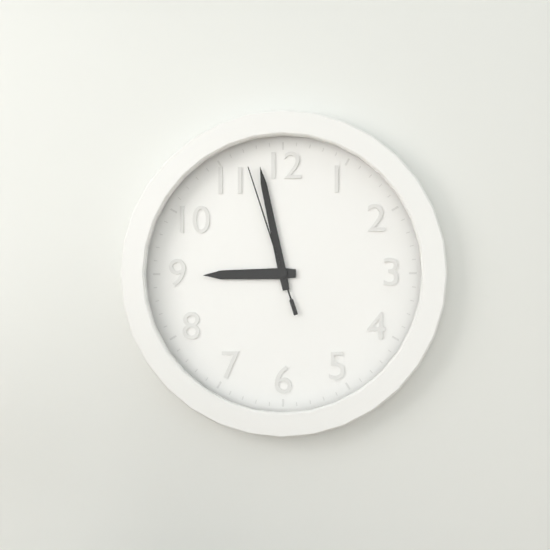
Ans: {"hour": 8, "minute": 58, "second": 57}
